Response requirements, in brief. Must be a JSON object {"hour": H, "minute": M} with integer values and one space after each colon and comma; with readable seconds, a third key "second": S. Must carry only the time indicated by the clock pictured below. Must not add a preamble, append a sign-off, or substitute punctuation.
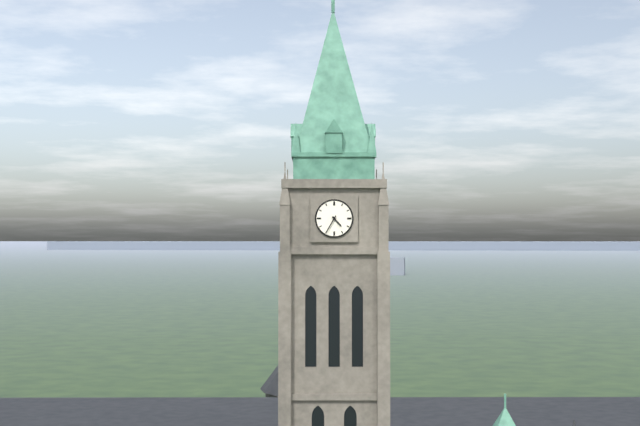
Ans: {"hour": 4, "minute": 35}
